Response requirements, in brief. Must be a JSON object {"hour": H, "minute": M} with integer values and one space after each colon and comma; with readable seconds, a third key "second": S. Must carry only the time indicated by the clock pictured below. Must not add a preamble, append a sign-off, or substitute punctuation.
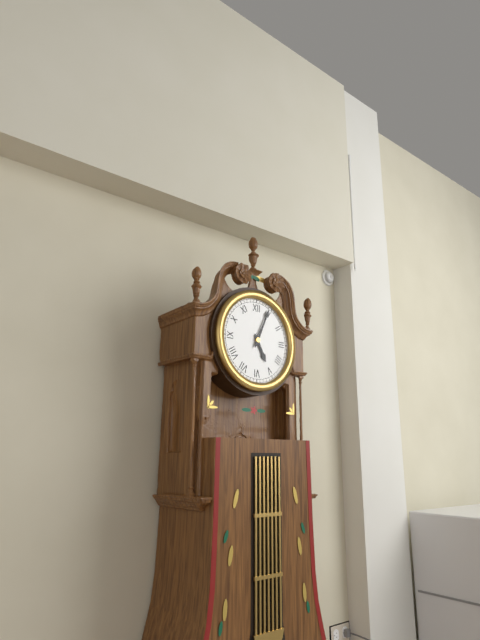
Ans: {"hour": 5, "minute": 4}
